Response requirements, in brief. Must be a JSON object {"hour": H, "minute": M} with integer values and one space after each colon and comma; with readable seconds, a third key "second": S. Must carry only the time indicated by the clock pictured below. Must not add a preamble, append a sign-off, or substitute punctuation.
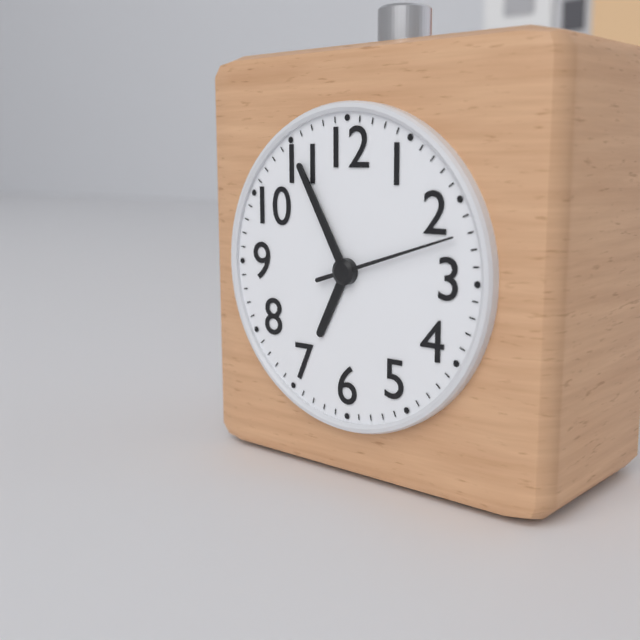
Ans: {"hour": 6, "minute": 55, "second": 12}
